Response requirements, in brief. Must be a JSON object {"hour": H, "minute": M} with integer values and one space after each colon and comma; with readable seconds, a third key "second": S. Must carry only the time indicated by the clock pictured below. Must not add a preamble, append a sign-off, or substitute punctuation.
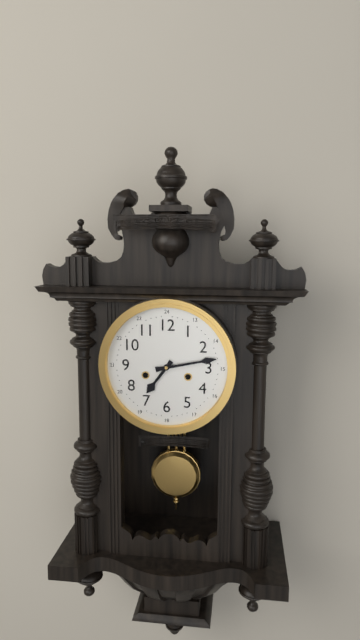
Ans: {"hour": 7, "minute": 13}
